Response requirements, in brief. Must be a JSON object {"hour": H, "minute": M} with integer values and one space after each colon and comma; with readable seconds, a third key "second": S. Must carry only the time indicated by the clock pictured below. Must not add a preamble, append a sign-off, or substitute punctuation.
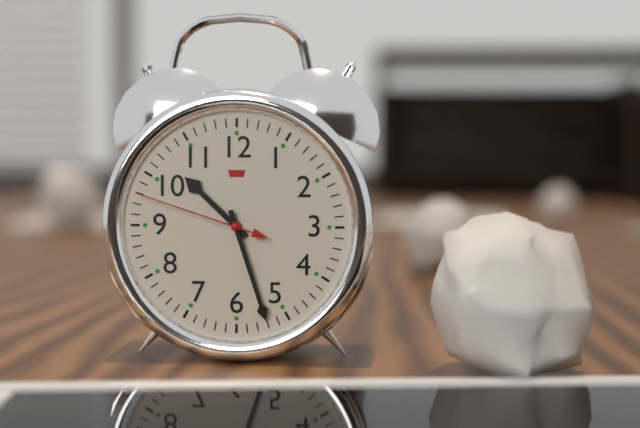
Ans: {"hour": 10, "minute": 27, "second": 48}
